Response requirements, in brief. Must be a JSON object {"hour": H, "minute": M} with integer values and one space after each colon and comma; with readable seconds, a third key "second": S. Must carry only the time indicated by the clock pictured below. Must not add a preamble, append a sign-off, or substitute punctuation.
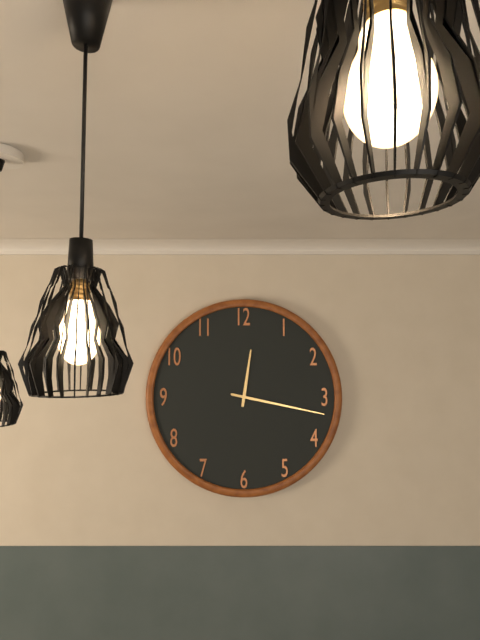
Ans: {"hour": 12, "minute": 17}
